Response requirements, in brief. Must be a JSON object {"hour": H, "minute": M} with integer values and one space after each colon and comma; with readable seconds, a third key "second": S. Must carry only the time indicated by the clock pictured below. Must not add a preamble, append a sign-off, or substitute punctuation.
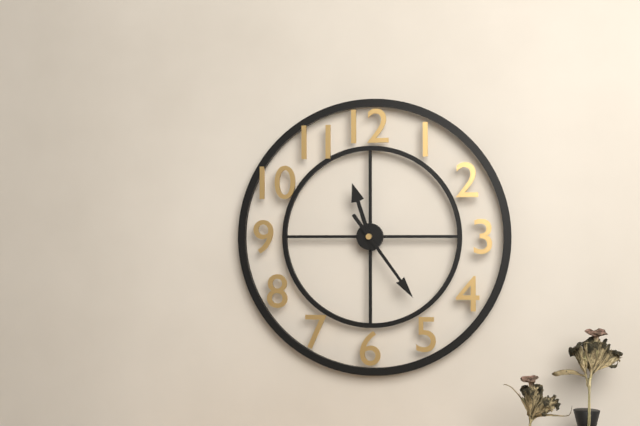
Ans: {"hour": 11, "minute": 24}
